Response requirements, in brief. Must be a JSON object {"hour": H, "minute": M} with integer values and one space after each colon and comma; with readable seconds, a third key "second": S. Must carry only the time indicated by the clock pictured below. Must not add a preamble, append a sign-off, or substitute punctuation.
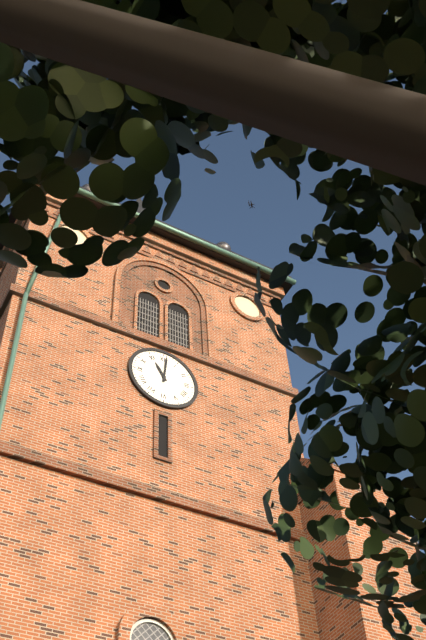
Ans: {"hour": 11, "minute": 1}
